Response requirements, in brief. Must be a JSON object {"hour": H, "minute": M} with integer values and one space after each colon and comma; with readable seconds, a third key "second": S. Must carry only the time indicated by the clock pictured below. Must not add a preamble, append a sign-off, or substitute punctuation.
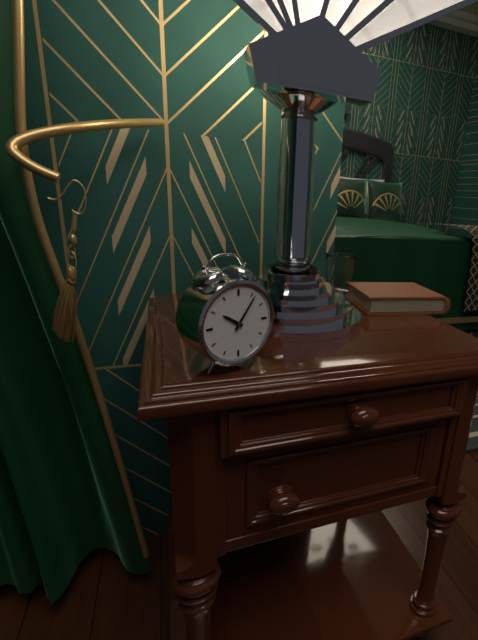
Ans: {"hour": 10, "minute": 6}
